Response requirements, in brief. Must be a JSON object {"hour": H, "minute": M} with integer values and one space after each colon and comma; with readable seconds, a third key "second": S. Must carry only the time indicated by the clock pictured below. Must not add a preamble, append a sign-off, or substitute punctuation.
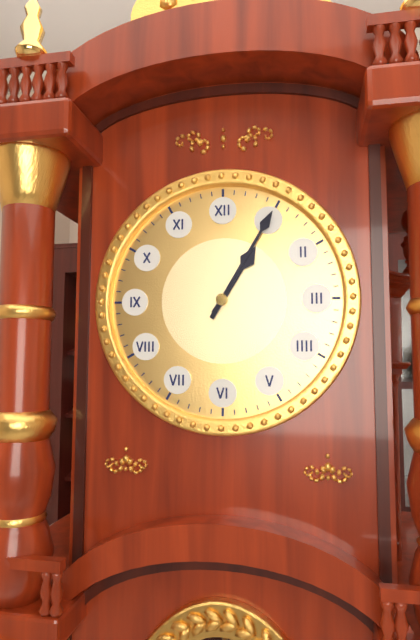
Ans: {"hour": 1, "minute": 5}
